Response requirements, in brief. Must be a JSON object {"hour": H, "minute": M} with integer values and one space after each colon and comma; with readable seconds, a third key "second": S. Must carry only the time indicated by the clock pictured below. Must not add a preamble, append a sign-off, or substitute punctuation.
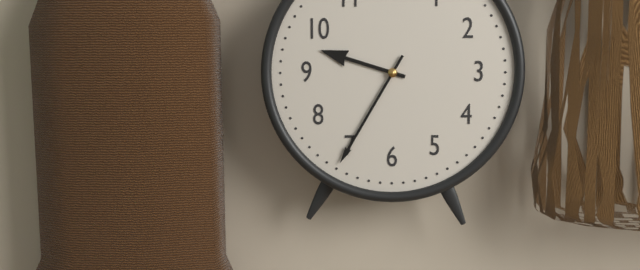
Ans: {"hour": 9, "minute": 35}
